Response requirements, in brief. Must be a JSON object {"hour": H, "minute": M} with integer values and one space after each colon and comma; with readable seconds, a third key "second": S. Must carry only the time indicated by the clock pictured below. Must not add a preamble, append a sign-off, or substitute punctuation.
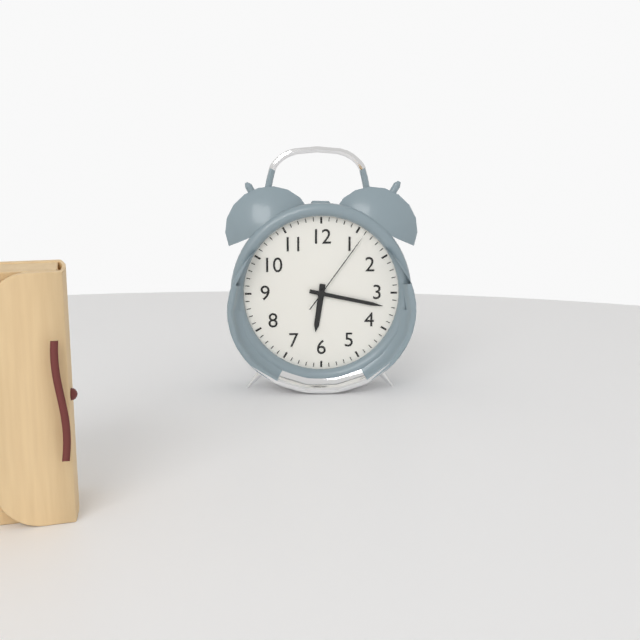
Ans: {"hour": 6, "minute": 17, "second": 6}
